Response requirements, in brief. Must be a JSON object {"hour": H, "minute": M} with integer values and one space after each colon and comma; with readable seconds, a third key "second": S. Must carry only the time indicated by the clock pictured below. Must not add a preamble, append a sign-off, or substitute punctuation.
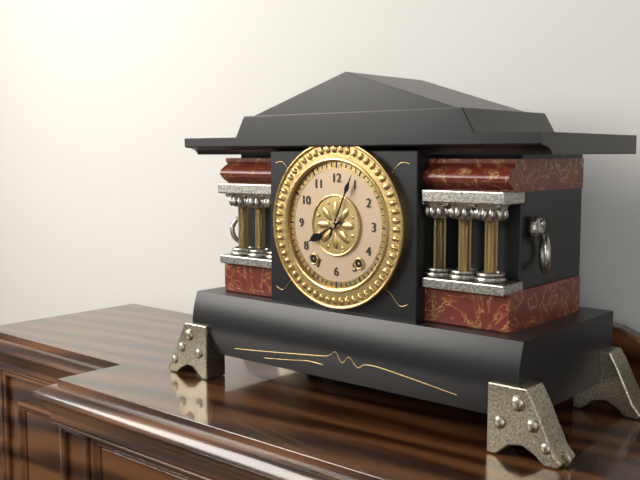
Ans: {"hour": 8, "minute": 4}
